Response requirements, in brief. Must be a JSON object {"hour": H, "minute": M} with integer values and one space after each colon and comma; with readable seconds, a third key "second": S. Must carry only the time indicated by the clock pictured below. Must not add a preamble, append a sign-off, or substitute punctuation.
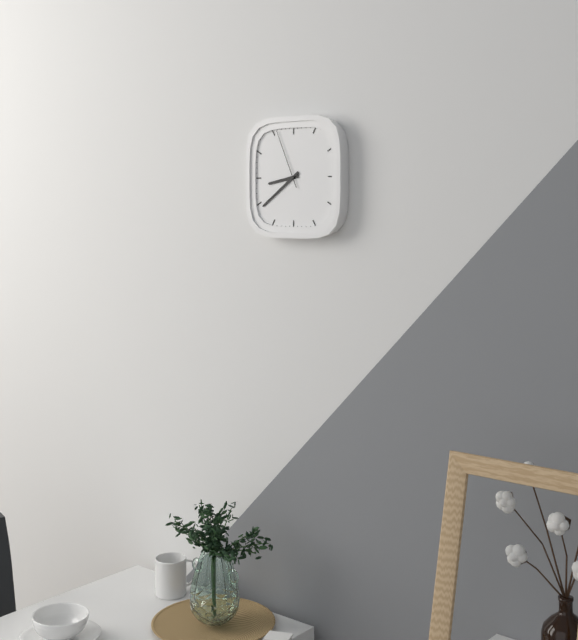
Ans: {"hour": 8, "minute": 39, "second": 56}
